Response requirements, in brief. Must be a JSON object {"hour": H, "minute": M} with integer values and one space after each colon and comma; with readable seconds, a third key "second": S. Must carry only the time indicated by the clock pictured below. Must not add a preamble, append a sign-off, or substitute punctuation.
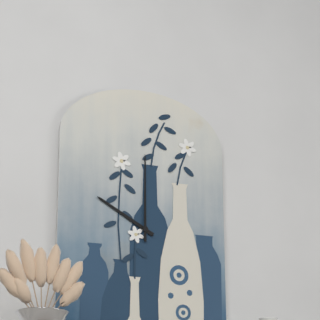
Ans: {"hour": 10, "minute": 0}
